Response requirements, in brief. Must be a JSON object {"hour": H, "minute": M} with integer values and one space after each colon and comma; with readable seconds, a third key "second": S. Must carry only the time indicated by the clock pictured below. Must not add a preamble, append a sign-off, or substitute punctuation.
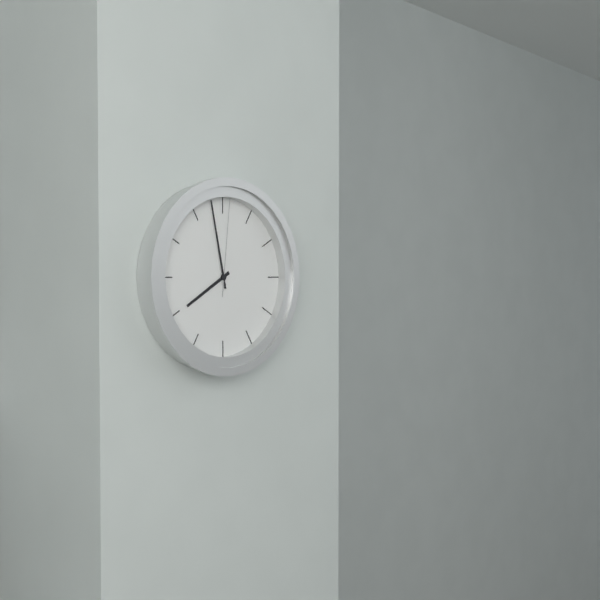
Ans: {"hour": 7, "minute": 58, "second": 1}
